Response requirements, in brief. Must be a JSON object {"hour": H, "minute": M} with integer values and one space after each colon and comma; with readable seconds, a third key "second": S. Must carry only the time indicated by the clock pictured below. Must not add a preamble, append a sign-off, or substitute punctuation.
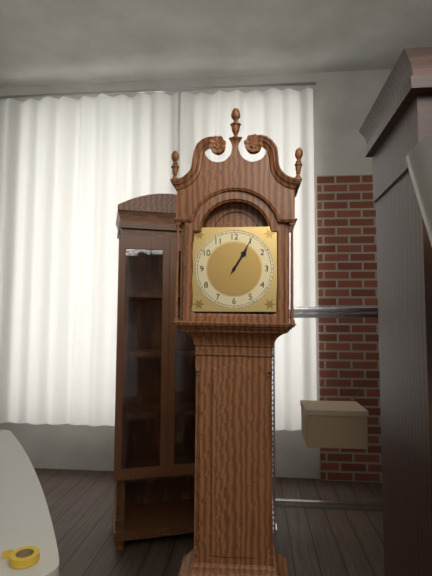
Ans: {"hour": 1, "minute": 5}
